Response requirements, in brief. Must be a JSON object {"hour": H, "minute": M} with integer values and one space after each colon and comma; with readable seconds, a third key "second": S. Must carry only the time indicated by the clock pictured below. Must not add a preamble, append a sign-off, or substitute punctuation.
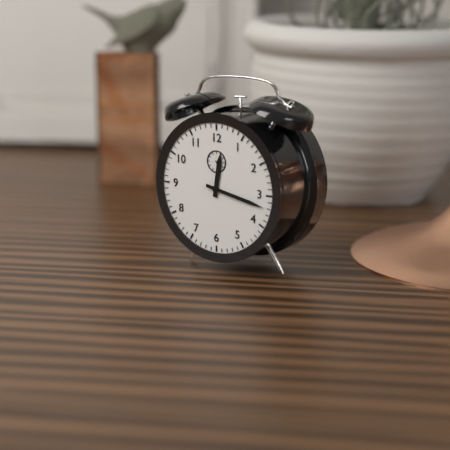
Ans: {"hour": 12, "minute": 17}
